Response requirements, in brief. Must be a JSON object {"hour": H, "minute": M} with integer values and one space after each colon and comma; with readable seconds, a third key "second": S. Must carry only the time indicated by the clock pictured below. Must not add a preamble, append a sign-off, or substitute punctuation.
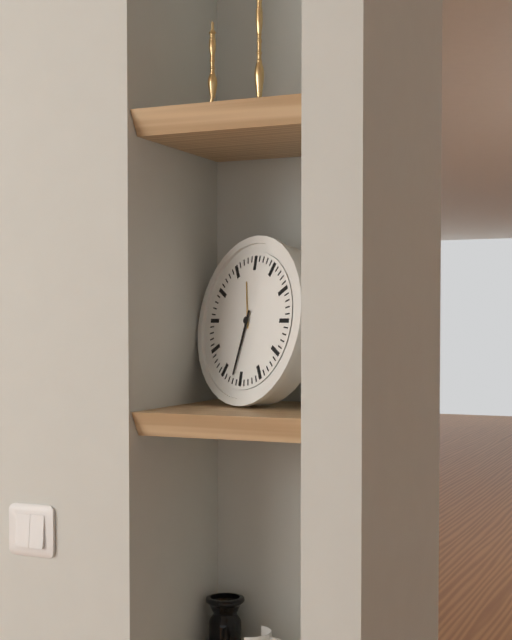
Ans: {"hour": 11, "minute": 32}
